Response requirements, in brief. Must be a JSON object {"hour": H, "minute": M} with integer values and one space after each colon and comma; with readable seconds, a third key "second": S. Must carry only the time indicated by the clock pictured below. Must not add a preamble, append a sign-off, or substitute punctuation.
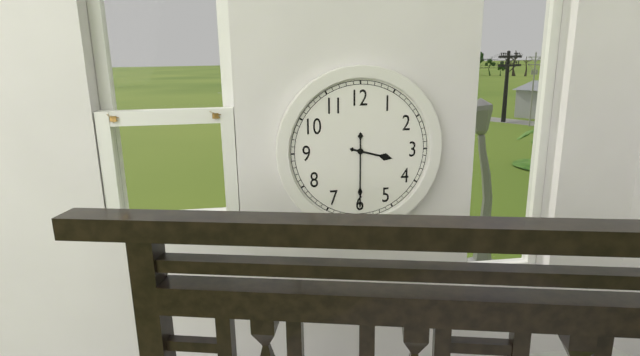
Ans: {"hour": 3, "minute": 30}
